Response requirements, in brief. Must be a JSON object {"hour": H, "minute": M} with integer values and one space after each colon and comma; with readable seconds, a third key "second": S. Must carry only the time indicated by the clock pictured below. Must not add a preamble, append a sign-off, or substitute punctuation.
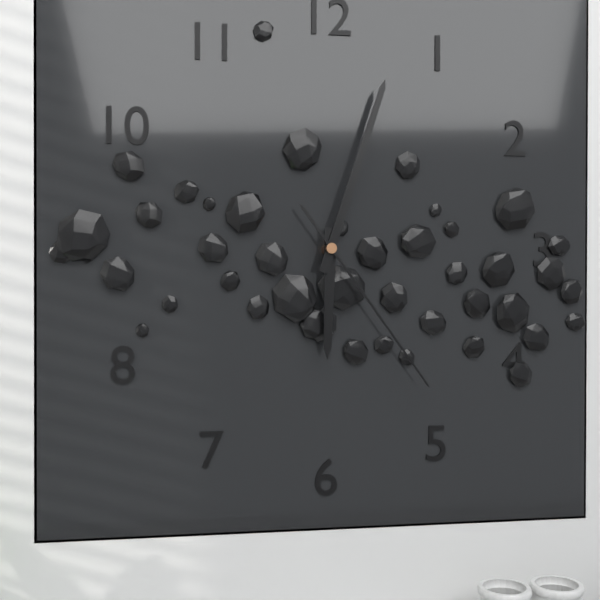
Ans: {"hour": 6, "minute": 3, "second": 24}
